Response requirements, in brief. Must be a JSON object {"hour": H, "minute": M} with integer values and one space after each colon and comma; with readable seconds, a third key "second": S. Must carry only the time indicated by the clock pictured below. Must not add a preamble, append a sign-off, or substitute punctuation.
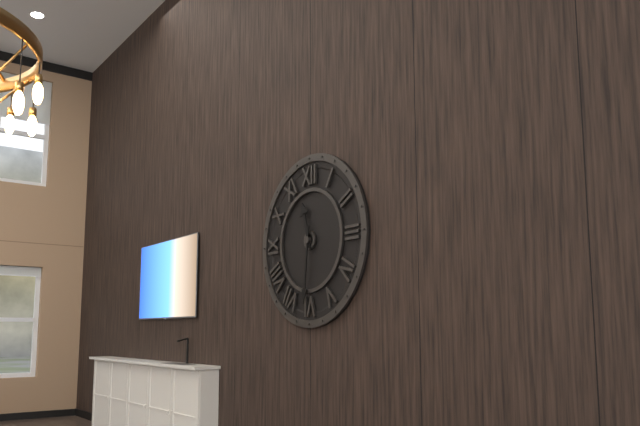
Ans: {"hour": 11, "minute": 31}
